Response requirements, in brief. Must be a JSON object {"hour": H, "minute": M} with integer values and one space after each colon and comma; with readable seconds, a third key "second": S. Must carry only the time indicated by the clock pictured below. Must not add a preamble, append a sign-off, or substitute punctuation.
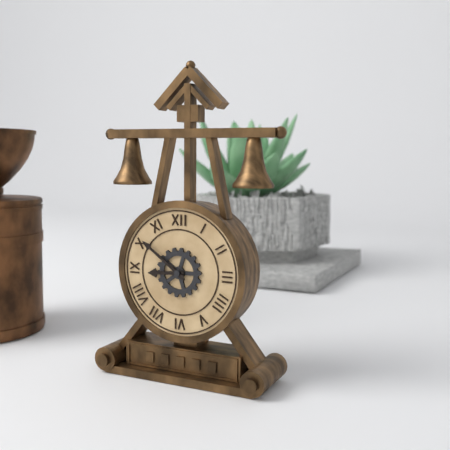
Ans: {"hour": 8, "minute": 51}
